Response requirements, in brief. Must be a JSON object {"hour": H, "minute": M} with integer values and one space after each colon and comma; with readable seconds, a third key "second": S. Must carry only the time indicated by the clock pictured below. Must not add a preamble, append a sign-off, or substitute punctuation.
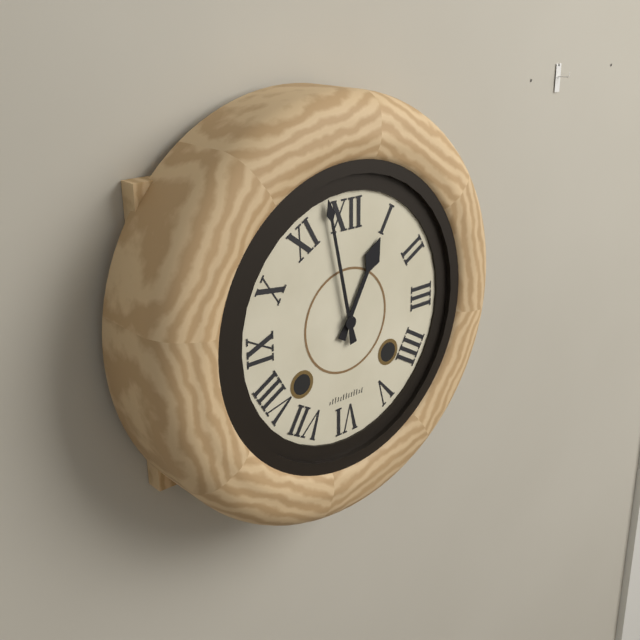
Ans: {"hour": 12, "minute": 58}
